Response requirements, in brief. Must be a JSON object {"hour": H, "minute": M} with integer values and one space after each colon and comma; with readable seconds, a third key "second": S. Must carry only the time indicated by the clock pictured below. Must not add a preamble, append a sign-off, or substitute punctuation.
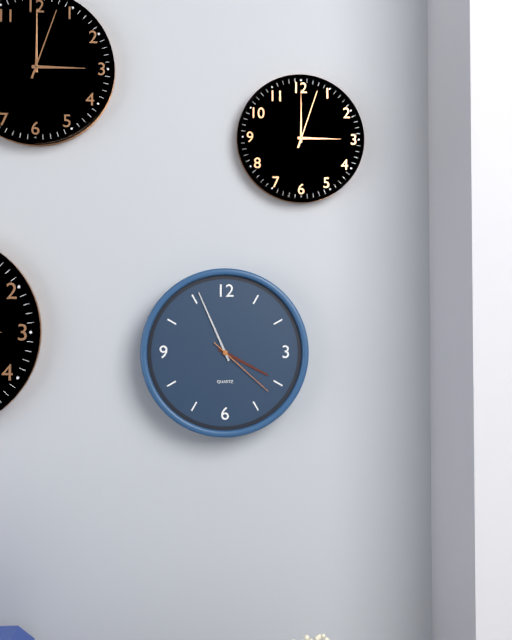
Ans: {"hour": 3, "minute": 56, "second": 22}
